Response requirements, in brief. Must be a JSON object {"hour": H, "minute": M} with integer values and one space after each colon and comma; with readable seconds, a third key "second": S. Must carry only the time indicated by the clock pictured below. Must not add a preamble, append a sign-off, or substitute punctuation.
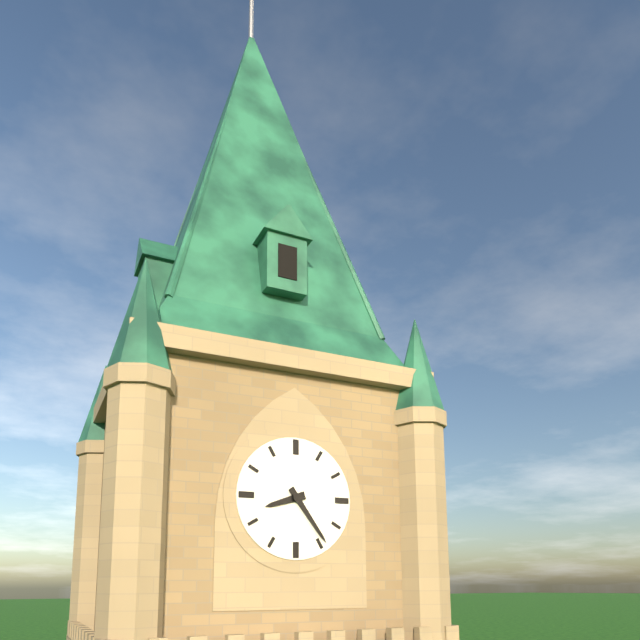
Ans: {"hour": 8, "minute": 24}
